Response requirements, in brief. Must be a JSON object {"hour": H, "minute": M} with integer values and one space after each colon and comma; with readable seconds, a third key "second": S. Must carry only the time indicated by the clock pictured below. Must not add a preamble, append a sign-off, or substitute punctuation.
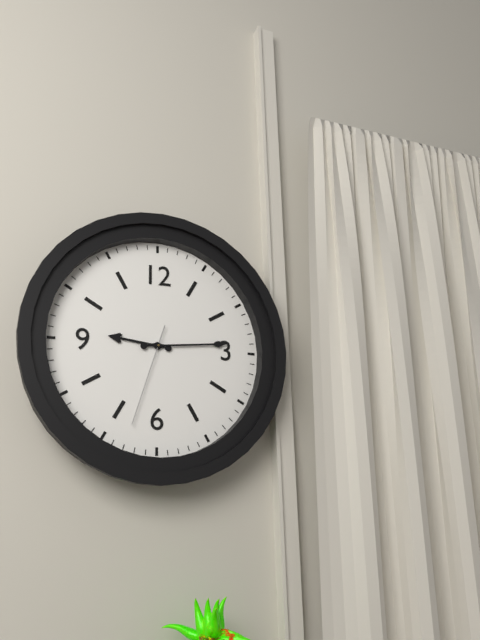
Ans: {"hour": 9, "minute": 14, "second": 33}
